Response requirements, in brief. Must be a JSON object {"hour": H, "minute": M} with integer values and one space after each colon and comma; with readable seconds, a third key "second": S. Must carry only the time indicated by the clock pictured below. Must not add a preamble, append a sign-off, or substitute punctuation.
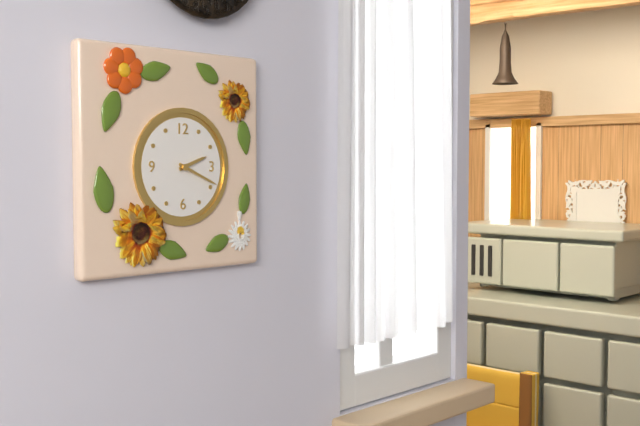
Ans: {"hour": 2, "minute": 19}
